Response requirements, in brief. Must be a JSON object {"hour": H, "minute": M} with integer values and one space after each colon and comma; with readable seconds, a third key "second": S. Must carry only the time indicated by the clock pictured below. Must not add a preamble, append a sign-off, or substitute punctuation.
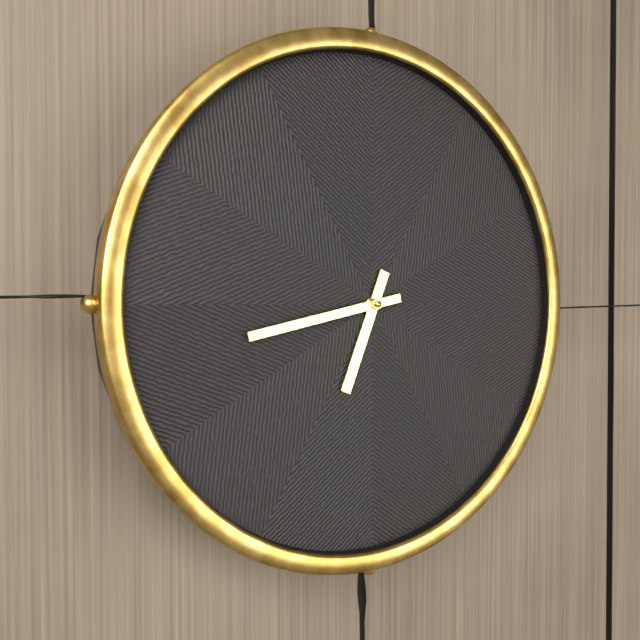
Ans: {"hour": 6, "minute": 43}
